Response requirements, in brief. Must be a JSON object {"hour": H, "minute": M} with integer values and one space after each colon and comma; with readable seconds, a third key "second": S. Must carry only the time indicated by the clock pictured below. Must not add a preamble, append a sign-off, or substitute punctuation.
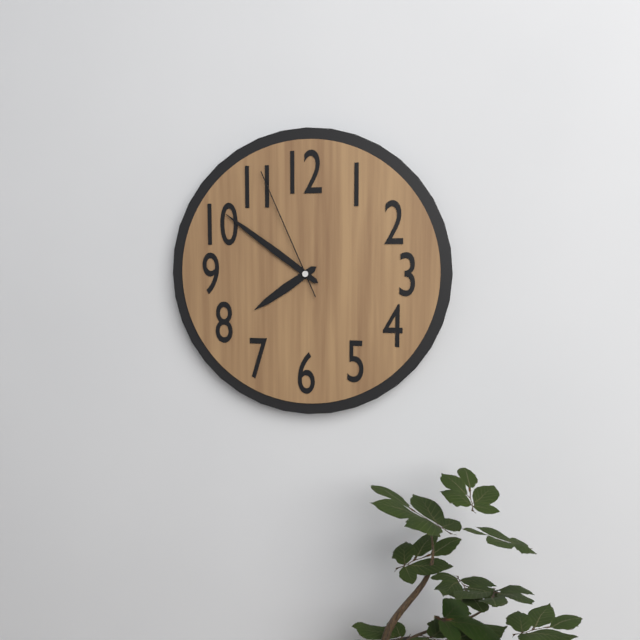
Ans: {"hour": 7, "minute": 51, "second": 56}
